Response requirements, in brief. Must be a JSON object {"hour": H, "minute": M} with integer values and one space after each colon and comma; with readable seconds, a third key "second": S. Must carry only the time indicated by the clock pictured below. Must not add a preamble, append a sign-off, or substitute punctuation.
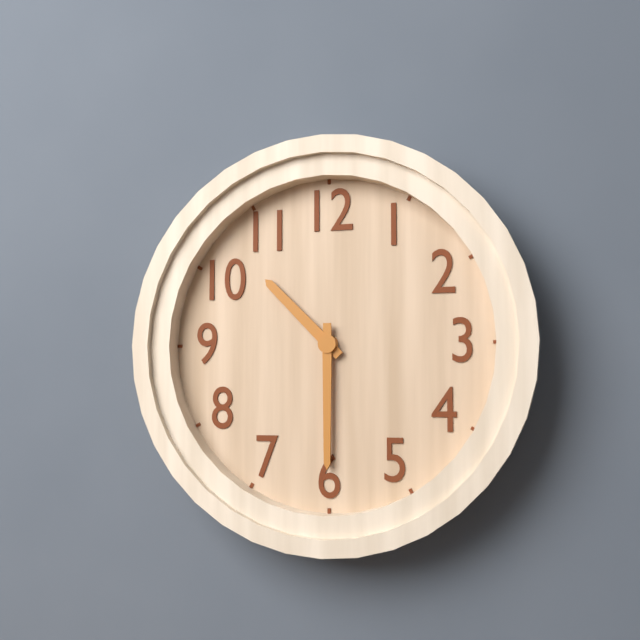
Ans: {"hour": 10, "minute": 30}
